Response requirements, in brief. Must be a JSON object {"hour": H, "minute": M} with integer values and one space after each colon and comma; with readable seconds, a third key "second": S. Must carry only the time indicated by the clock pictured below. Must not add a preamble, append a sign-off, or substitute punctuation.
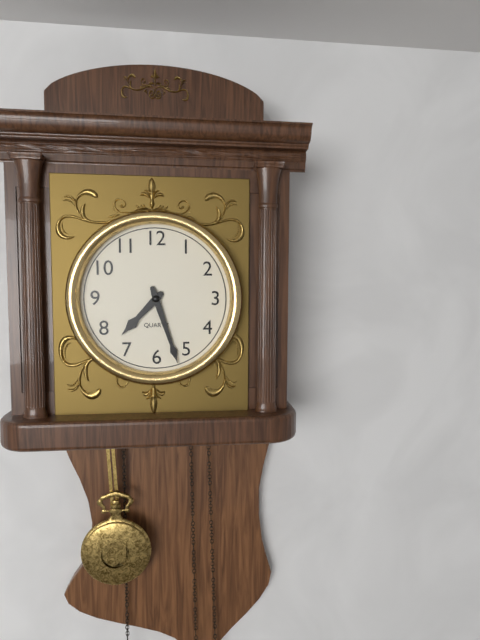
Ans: {"hour": 7, "minute": 27}
